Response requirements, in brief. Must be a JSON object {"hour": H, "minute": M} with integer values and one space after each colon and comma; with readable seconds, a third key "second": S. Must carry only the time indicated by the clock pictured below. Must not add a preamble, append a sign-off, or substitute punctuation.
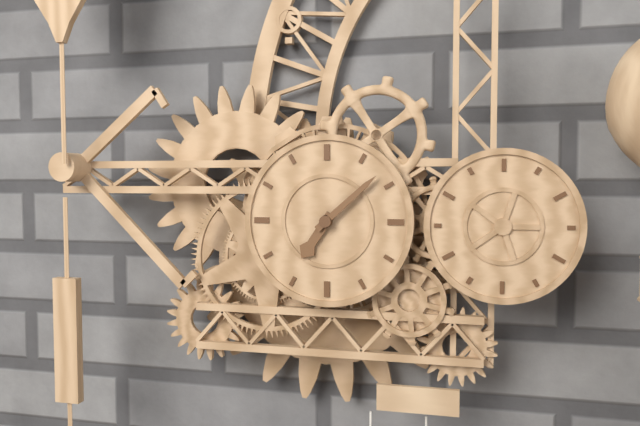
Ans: {"hour": 7, "minute": 8}
